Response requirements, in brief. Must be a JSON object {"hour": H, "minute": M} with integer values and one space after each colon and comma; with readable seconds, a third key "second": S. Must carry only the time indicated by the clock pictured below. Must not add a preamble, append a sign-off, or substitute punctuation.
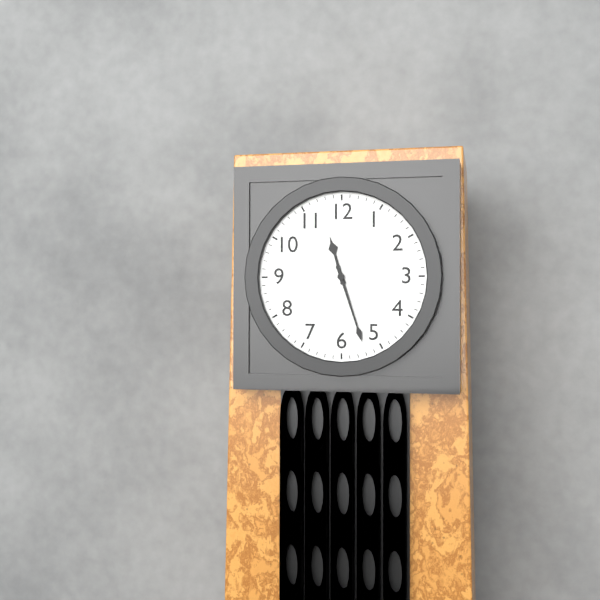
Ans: {"hour": 11, "minute": 27}
